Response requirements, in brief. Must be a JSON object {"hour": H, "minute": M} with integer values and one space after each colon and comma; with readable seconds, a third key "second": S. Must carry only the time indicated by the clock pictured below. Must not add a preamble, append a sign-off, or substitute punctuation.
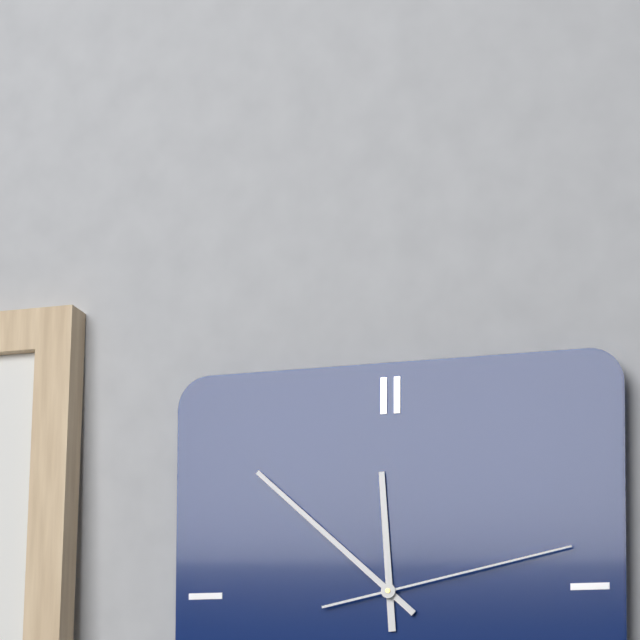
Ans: {"hour": 11, "minute": 52, "second": 13}
